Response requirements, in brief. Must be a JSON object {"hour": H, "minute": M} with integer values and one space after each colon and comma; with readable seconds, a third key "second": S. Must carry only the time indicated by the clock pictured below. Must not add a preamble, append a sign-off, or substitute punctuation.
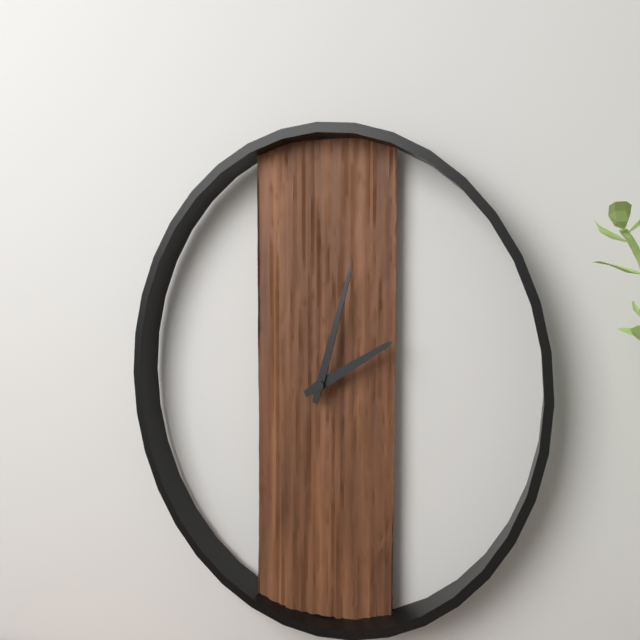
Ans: {"hour": 2, "minute": 3}
